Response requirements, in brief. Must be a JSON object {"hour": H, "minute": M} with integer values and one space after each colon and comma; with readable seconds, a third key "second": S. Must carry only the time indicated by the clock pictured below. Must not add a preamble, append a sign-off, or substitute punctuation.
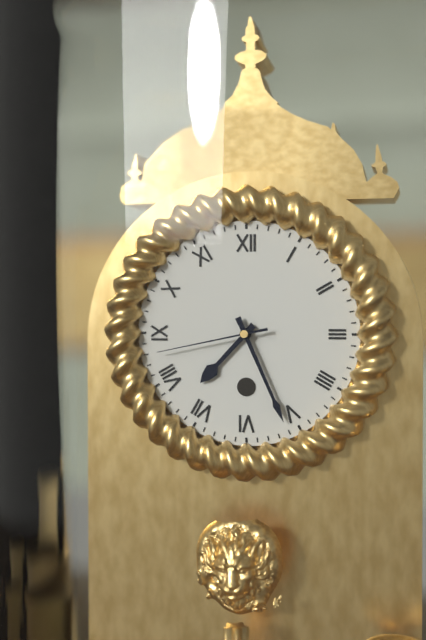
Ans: {"hour": 7, "minute": 26, "second": 43}
